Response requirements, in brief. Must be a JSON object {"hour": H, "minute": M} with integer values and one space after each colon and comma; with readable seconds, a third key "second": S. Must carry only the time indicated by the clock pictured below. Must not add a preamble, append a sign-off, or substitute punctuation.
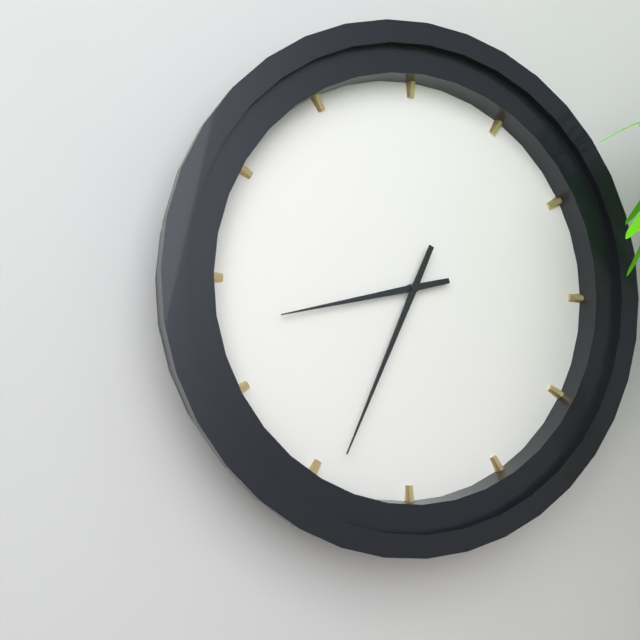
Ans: {"hour": 8, "minute": 34}
